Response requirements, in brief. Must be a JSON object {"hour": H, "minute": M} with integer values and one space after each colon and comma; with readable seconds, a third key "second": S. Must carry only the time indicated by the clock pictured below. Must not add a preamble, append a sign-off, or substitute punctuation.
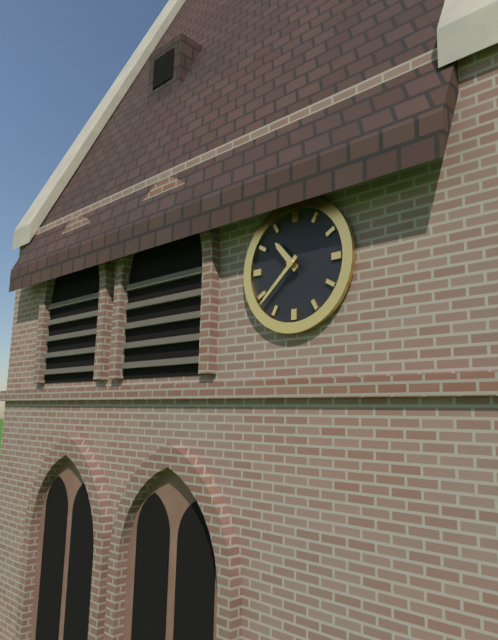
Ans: {"hour": 10, "minute": 38}
